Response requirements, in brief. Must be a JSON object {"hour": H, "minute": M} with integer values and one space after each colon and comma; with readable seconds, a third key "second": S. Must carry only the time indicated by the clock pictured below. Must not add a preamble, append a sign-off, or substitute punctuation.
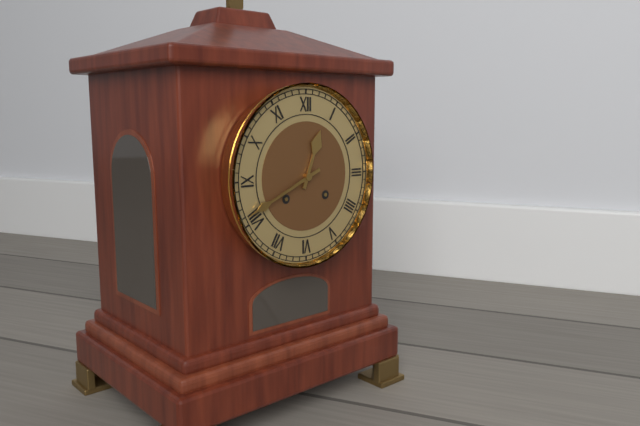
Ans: {"hour": 12, "minute": 41}
